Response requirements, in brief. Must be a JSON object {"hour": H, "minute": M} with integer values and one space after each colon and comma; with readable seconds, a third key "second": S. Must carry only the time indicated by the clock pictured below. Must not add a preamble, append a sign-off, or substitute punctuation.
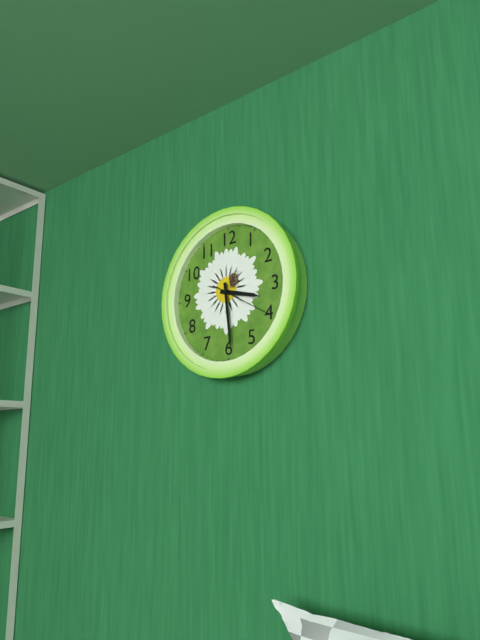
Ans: {"hour": 3, "minute": 29, "second": 20}
